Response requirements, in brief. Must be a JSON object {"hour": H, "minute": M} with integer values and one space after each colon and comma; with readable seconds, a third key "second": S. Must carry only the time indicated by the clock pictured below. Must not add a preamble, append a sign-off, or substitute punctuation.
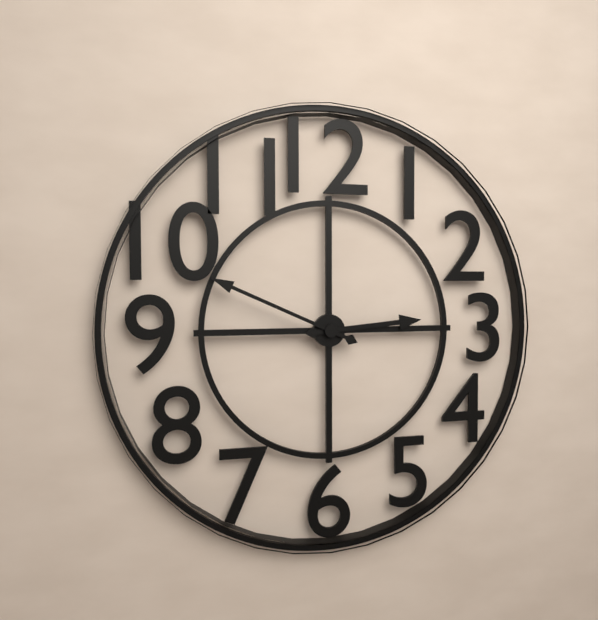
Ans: {"hour": 2, "minute": 49}
